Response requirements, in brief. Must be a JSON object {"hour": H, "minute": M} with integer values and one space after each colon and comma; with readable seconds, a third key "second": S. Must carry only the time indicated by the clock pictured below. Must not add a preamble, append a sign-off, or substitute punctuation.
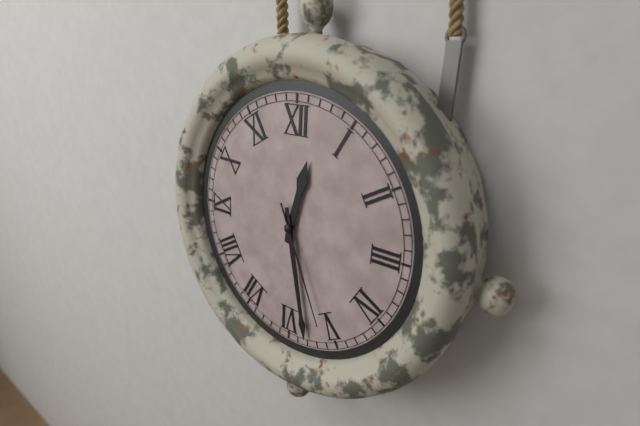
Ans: {"hour": 12, "minute": 28, "second": 26}
